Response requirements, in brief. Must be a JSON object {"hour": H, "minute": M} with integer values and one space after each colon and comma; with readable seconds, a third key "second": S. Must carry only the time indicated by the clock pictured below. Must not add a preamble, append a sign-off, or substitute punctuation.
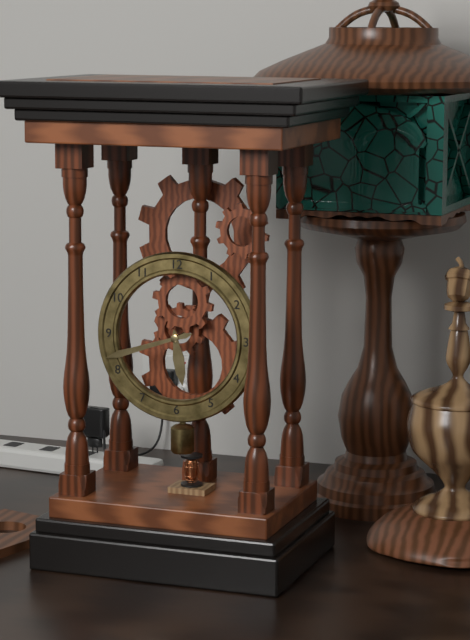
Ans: {"hour": 5, "minute": 42}
